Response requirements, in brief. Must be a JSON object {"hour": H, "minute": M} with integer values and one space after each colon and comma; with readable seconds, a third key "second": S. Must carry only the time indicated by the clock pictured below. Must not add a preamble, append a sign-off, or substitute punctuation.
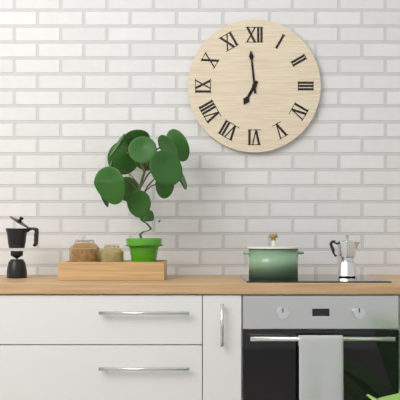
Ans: {"hour": 6, "minute": 59}
